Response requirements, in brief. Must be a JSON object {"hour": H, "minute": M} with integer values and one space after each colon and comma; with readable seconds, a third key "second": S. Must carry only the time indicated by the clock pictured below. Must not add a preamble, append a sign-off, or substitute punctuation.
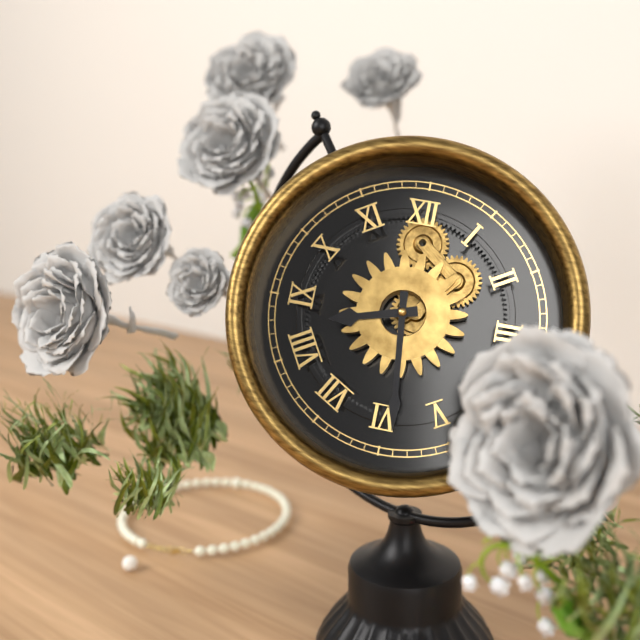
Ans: {"hour": 8, "minute": 29}
